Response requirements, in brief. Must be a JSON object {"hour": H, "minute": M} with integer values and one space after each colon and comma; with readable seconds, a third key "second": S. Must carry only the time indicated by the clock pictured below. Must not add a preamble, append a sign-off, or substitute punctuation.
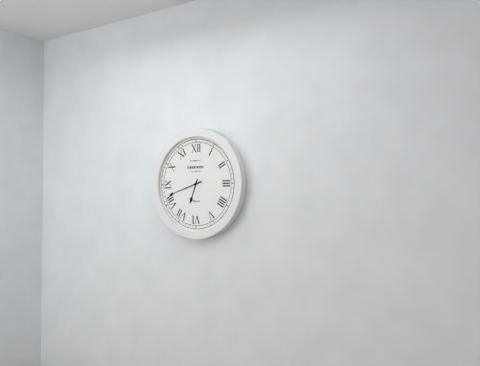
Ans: {"hour": 6, "minute": 42}
